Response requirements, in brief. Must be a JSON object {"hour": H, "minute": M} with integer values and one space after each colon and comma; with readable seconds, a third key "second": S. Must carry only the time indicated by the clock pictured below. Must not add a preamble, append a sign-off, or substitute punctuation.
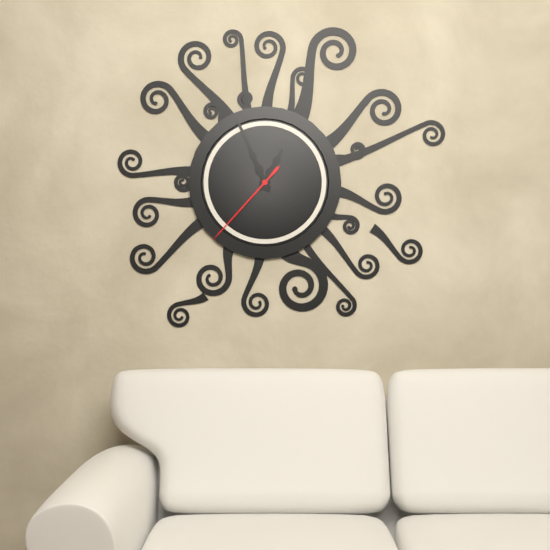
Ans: {"hour": 12, "minute": 56, "second": 37}
